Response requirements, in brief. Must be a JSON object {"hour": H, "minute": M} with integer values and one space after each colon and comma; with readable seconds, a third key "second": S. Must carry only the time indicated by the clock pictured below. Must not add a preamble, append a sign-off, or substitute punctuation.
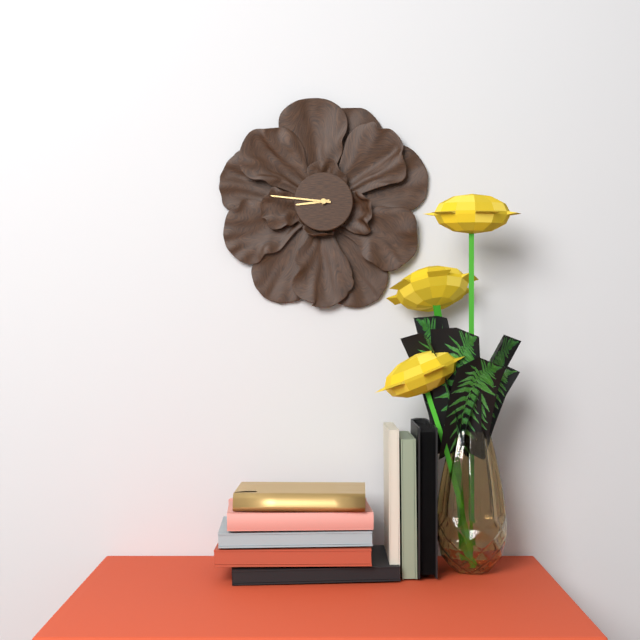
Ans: {"hour": 8, "minute": 46}
